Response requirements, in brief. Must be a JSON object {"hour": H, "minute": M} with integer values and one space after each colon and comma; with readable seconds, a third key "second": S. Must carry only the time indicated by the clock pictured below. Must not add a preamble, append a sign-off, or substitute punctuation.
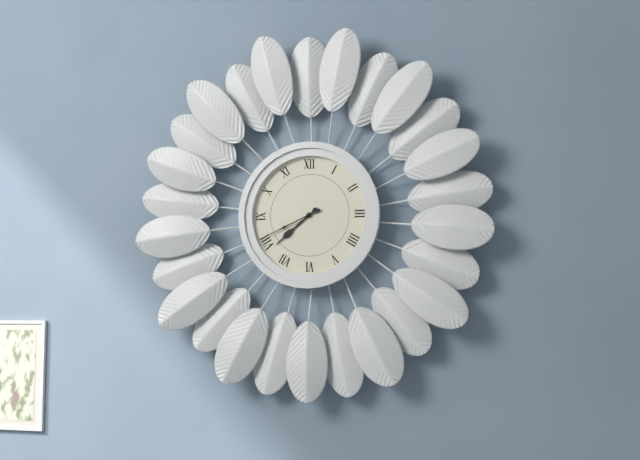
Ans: {"hour": 7, "minute": 41}
